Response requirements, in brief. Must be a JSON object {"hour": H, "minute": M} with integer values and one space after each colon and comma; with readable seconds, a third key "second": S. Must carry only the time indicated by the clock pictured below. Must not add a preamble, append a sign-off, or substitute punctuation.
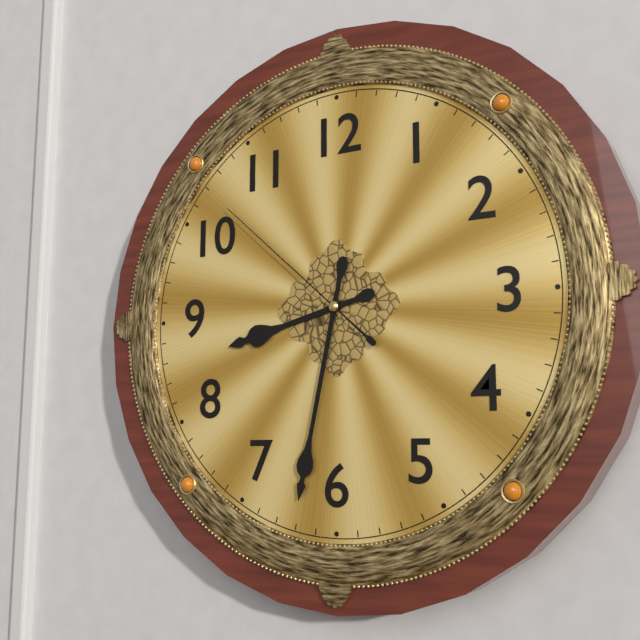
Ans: {"hour": 8, "minute": 32, "second": 52}
